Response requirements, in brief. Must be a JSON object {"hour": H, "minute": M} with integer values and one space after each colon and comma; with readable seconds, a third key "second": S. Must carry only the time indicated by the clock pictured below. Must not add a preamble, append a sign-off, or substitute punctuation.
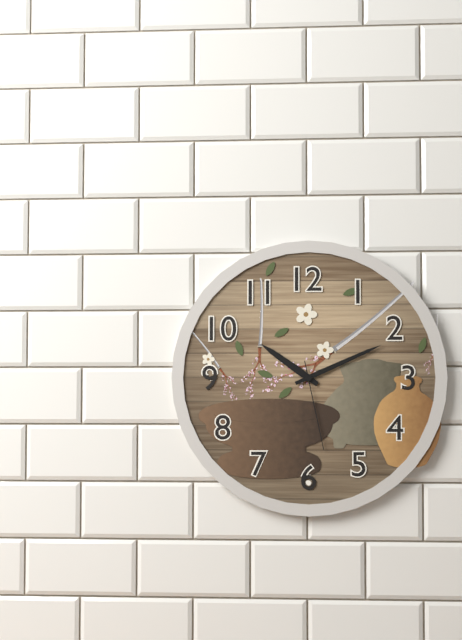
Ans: {"hour": 10, "minute": 11, "second": 28}
